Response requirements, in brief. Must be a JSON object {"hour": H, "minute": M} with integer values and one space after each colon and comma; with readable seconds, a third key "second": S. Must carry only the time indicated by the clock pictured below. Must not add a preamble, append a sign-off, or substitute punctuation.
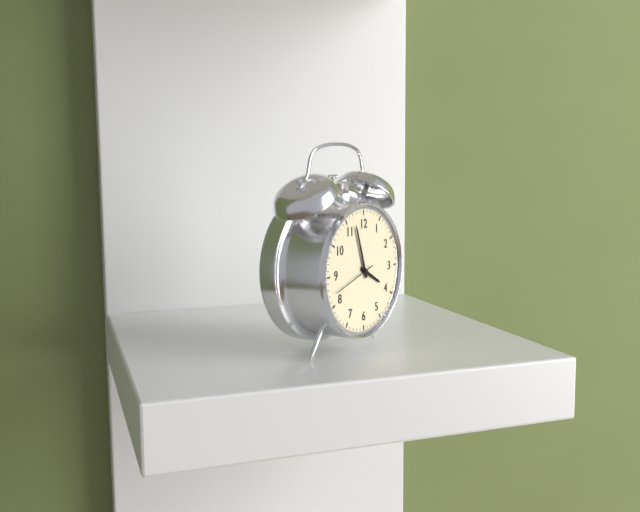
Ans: {"hour": 3, "minute": 57}
